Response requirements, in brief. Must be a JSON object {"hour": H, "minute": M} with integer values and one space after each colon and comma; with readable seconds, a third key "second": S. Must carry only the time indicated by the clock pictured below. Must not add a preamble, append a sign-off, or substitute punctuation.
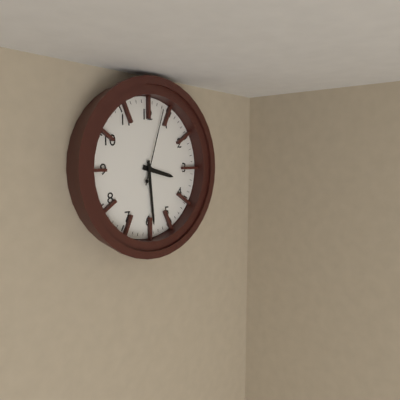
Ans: {"hour": 3, "minute": 29, "second": 3}
